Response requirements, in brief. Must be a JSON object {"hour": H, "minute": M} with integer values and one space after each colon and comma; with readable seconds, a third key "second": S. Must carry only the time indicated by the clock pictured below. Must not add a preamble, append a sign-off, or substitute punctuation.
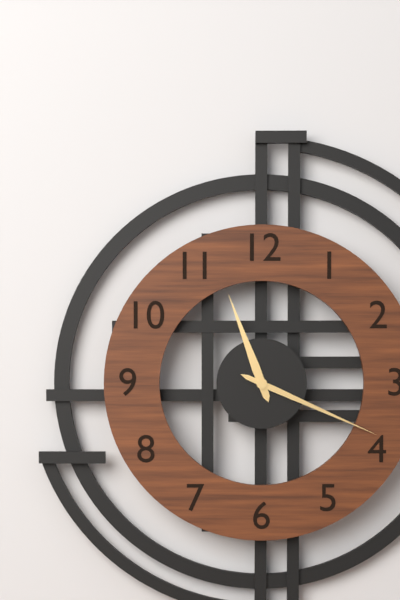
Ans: {"hour": 11, "minute": 19}
